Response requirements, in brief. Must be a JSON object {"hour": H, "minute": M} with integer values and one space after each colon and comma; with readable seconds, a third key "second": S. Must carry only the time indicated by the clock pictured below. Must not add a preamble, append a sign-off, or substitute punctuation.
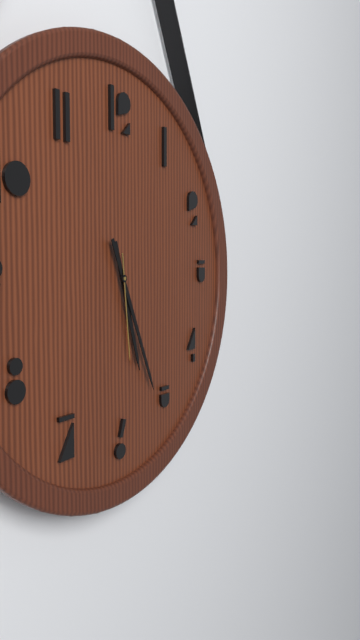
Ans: {"hour": 5, "minute": 26, "second": 29}
